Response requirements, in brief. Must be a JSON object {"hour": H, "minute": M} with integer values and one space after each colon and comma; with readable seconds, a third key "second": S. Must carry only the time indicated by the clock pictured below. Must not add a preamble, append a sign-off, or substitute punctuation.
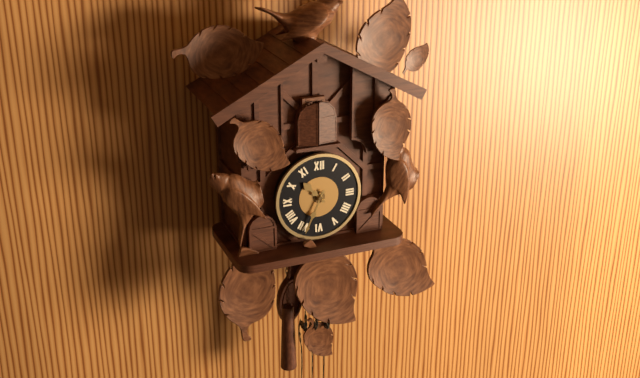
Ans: {"hour": 10, "minute": 34}
